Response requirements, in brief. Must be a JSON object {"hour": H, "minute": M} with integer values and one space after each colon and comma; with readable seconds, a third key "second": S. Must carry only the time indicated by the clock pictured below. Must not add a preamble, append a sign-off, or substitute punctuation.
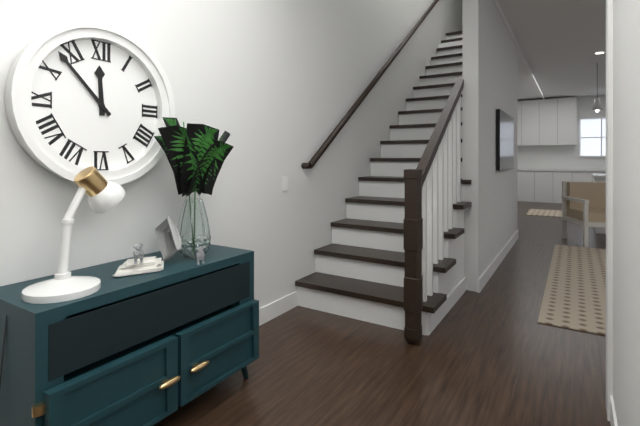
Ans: {"hour": 11, "minute": 53}
